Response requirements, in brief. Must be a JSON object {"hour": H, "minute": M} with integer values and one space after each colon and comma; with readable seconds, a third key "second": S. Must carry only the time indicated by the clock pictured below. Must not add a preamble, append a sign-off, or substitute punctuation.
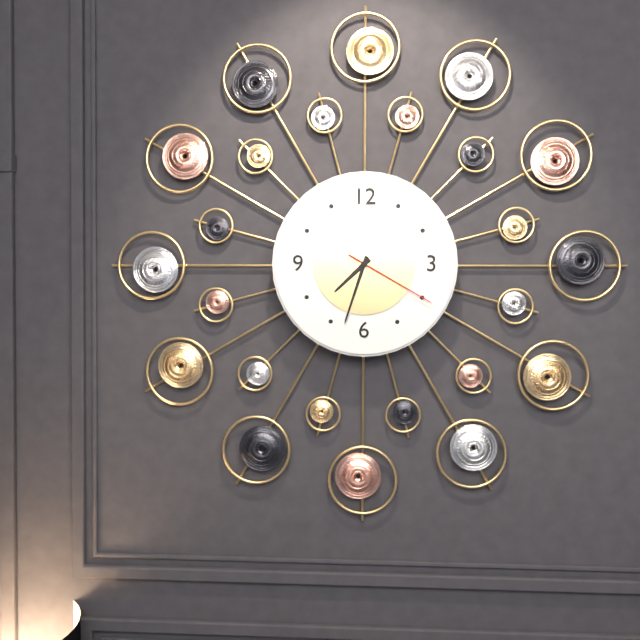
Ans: {"hour": 7, "minute": 33, "second": 20}
